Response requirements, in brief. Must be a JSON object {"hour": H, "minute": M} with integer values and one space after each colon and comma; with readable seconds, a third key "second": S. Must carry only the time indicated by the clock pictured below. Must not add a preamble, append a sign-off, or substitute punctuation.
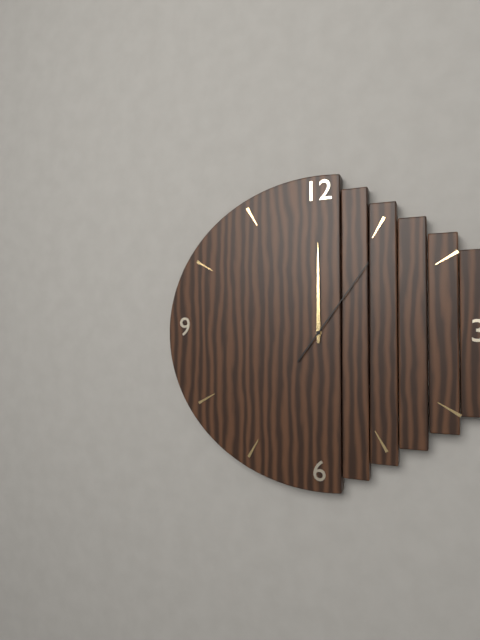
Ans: {"hour": 12, "minute": 0, "second": 6}
